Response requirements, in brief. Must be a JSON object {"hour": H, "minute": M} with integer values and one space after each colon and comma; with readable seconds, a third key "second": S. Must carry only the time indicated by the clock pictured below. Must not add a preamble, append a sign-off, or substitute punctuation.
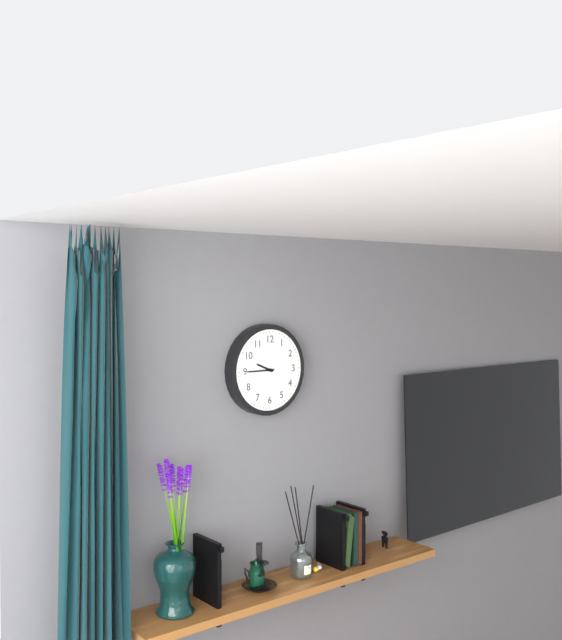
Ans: {"hour": 9, "minute": 45}
